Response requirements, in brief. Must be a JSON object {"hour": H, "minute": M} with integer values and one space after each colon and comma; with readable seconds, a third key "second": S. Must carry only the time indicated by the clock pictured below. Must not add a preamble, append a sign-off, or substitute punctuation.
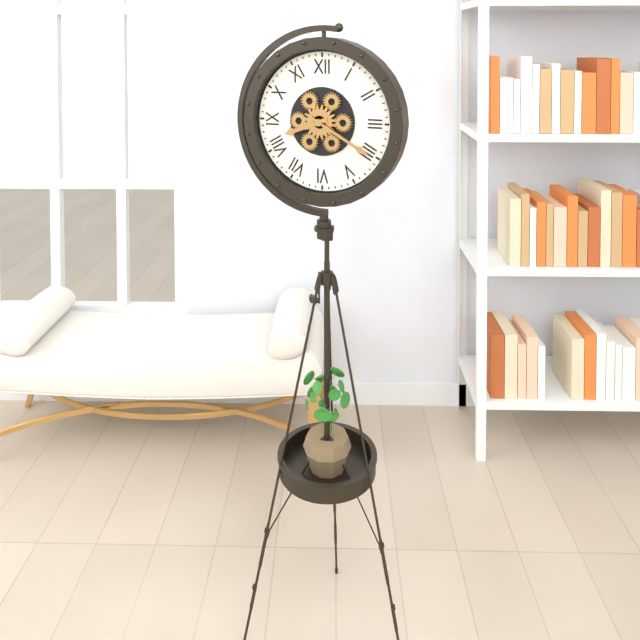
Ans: {"hour": 8, "minute": 20}
